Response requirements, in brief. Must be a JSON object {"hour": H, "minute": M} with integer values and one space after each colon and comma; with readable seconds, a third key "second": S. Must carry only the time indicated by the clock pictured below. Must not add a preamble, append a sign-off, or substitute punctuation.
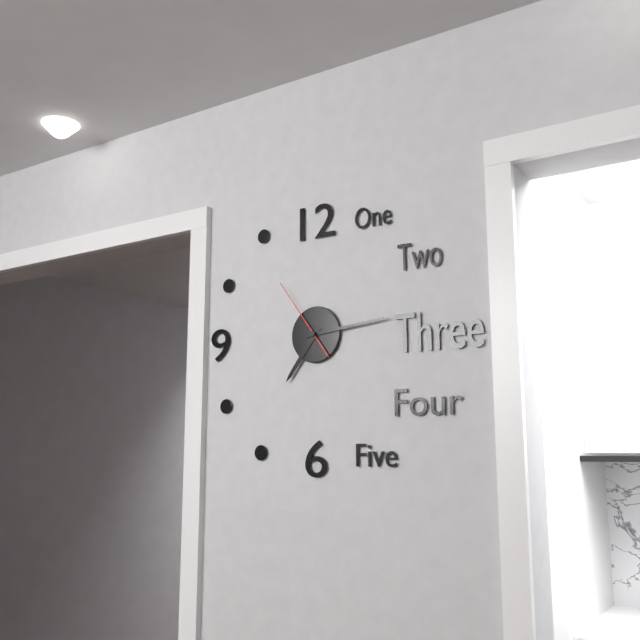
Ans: {"hour": 7, "minute": 14, "second": 54}
